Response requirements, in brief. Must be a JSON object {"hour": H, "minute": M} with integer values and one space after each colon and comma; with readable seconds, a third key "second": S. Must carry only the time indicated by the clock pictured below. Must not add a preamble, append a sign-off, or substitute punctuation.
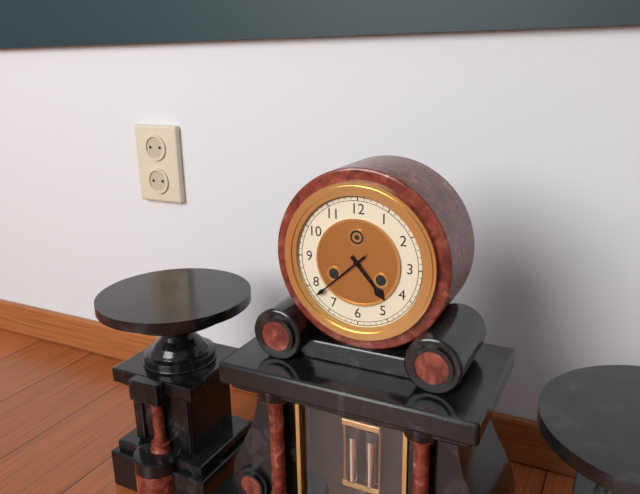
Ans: {"hour": 4, "minute": 38}
